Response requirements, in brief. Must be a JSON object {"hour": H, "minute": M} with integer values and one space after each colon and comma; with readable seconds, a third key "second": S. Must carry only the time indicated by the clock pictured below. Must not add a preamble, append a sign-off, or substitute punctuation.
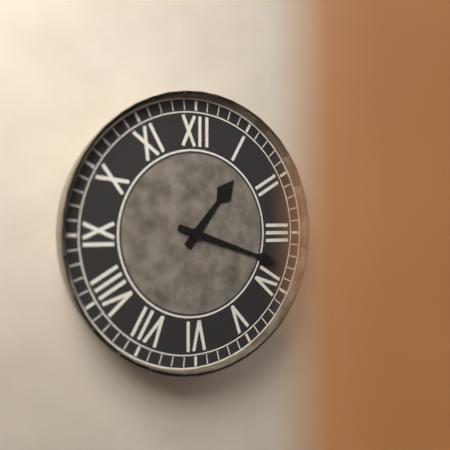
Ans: {"hour": 1, "minute": 18}
